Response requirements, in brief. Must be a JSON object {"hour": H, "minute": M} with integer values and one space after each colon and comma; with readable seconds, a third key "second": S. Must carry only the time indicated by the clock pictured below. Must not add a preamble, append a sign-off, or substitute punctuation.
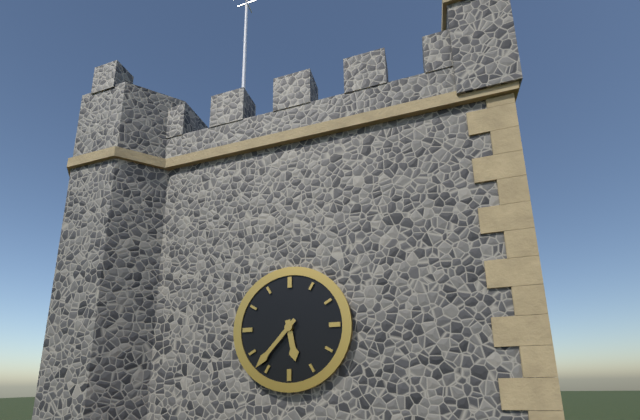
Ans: {"hour": 5, "minute": 37}
